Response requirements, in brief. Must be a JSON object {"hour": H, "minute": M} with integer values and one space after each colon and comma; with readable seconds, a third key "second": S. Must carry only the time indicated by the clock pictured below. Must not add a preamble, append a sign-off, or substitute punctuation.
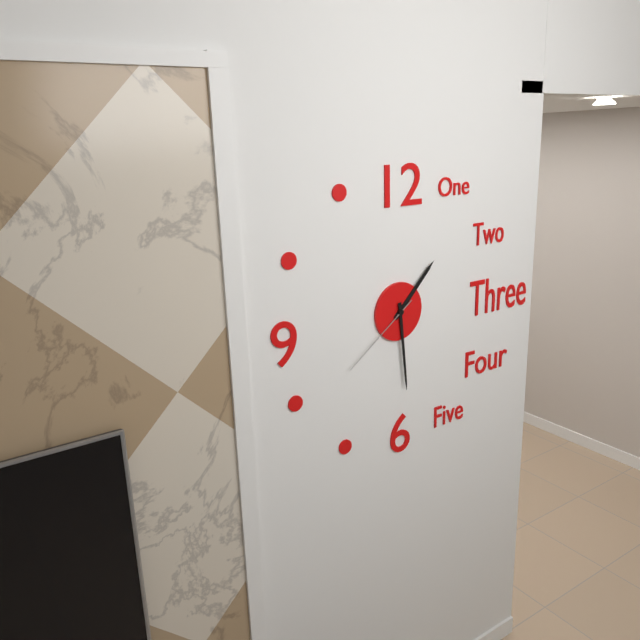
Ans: {"hour": 1, "minute": 29, "second": 39}
